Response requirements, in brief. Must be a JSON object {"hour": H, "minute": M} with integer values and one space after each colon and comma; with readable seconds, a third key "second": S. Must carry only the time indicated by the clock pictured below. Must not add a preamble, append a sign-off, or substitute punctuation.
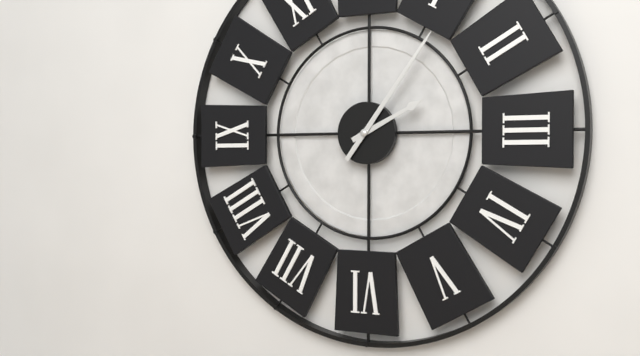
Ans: {"hour": 2, "minute": 6}
